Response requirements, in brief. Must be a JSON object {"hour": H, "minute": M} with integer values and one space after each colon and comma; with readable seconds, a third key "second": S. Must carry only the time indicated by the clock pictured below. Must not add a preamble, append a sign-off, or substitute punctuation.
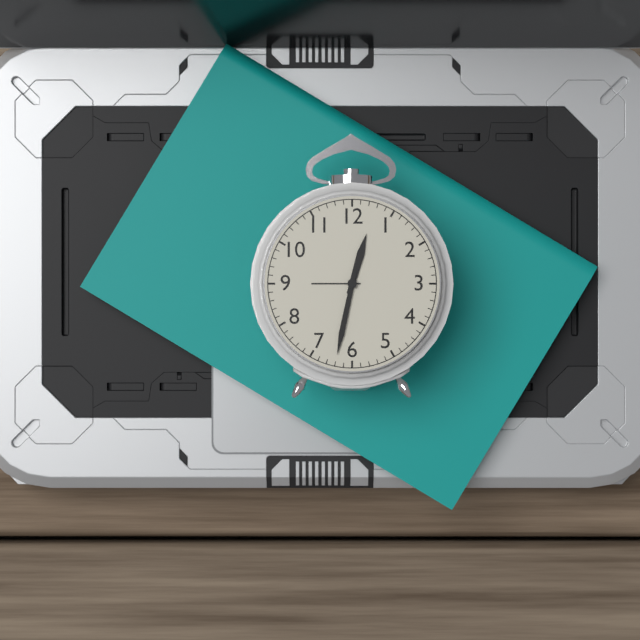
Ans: {"hour": 12, "minute": 32}
